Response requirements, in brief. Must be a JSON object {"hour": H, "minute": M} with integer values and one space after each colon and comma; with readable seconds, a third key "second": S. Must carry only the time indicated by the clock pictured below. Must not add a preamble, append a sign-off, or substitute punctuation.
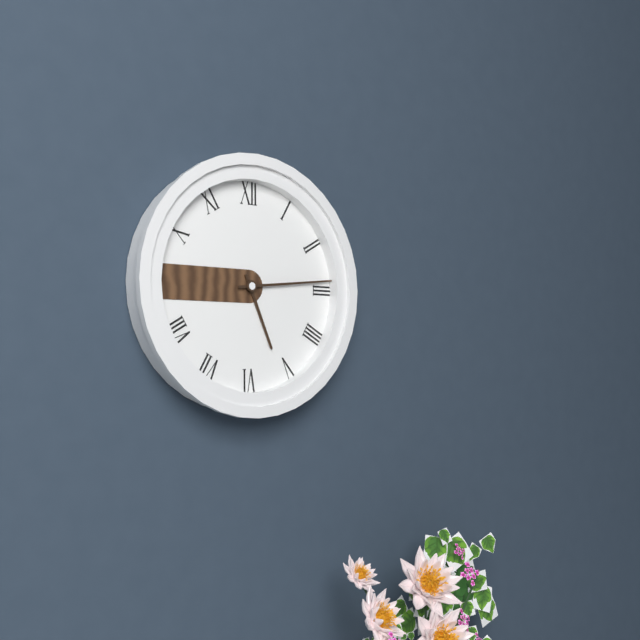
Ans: {"hour": 5, "minute": 14}
